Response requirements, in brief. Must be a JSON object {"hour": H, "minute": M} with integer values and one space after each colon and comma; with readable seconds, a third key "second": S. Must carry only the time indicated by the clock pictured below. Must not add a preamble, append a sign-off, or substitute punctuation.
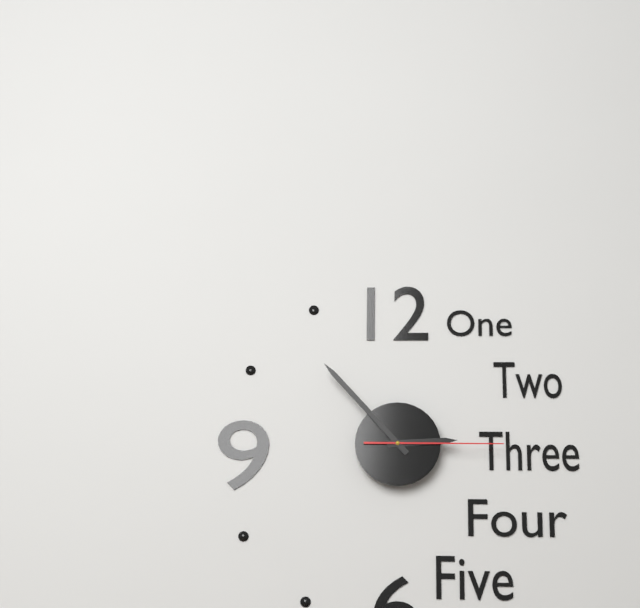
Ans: {"hour": 2, "minute": 53, "second": 15}
